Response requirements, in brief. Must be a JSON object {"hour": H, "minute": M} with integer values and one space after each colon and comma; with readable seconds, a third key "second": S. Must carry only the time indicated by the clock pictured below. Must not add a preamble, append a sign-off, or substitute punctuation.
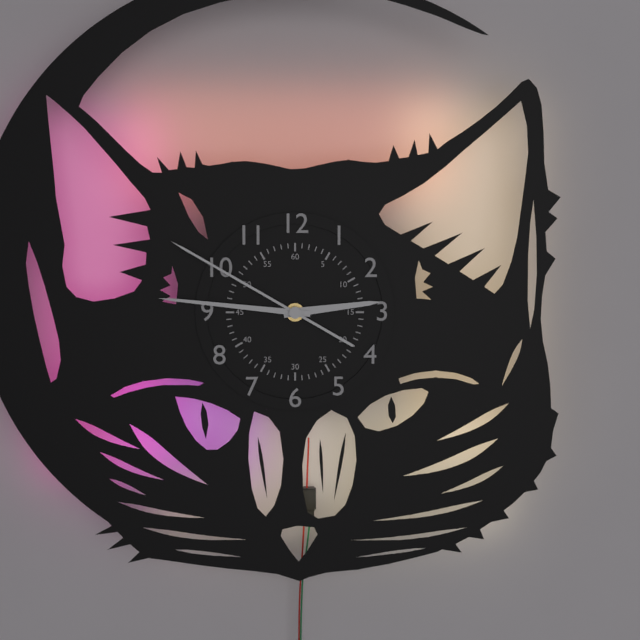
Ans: {"hour": 2, "minute": 46, "second": 50}
